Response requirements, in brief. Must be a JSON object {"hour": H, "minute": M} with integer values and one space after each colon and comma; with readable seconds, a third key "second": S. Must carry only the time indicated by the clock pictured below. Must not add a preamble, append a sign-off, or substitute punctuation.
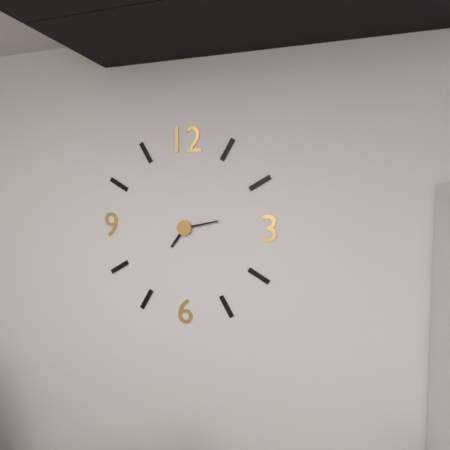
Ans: {"hour": 7, "minute": 13}
